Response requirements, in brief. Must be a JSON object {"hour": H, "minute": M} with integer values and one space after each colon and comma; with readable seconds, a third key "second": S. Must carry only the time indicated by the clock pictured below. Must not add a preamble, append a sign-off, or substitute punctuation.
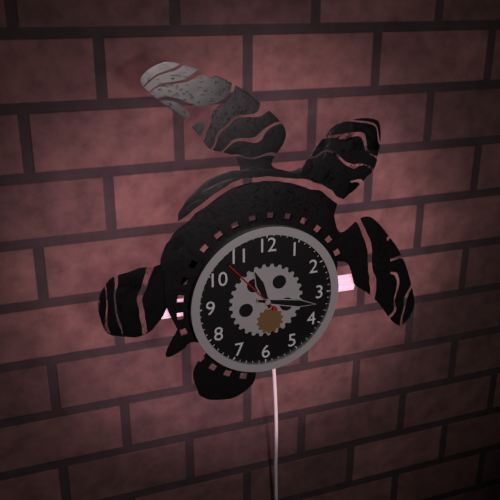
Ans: {"hour": 11, "minute": 17}
